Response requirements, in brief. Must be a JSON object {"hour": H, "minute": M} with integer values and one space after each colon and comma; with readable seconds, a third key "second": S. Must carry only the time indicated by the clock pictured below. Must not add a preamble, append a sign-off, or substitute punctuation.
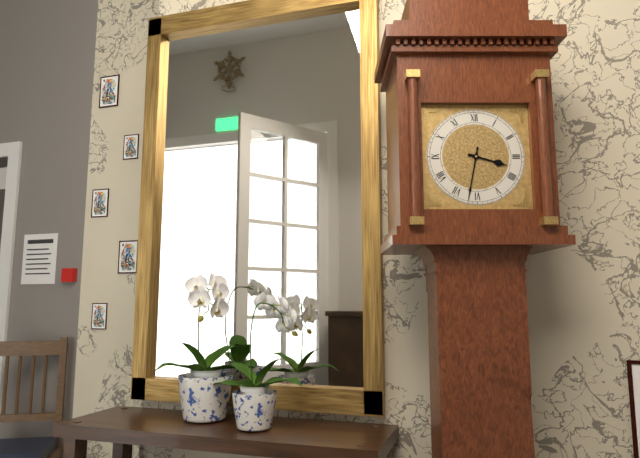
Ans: {"hour": 3, "minute": 32}
